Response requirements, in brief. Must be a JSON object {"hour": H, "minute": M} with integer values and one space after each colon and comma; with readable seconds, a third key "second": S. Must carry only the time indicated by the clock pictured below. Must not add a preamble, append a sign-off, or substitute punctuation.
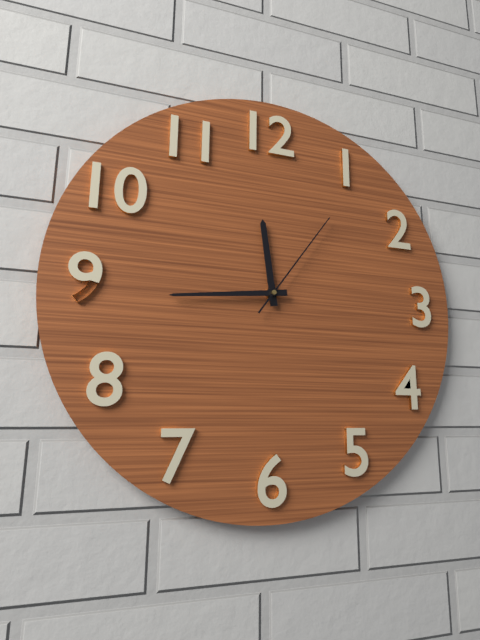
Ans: {"hour": 11, "minute": 44, "second": 6}
